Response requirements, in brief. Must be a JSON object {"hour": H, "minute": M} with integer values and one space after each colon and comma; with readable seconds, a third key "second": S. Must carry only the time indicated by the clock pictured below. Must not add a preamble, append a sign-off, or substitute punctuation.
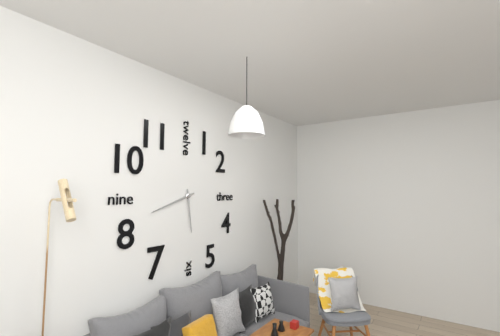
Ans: {"hour": 5, "minute": 42}
